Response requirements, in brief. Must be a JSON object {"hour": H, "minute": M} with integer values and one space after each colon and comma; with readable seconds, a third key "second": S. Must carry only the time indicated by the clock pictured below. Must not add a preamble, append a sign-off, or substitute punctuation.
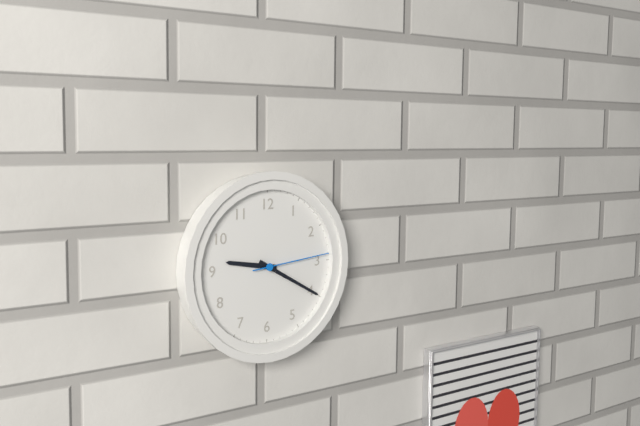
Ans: {"hour": 9, "minute": 20, "second": 14}
